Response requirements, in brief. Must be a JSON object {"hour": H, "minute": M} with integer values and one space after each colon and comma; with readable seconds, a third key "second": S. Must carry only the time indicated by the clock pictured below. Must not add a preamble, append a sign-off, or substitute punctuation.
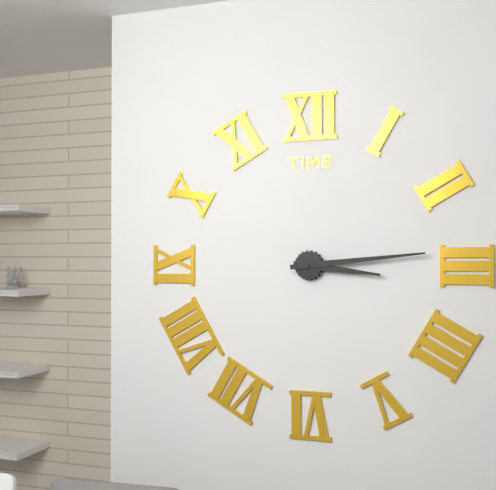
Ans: {"hour": 3, "minute": 14}
